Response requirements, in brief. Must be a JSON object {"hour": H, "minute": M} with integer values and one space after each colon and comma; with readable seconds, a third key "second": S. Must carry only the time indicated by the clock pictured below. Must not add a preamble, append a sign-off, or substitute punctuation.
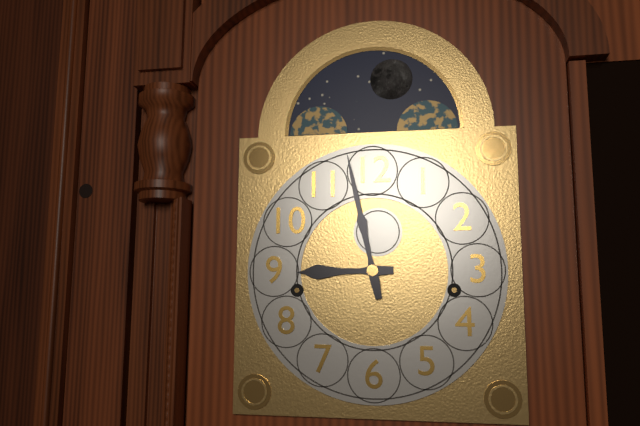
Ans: {"hour": 8, "minute": 58}
